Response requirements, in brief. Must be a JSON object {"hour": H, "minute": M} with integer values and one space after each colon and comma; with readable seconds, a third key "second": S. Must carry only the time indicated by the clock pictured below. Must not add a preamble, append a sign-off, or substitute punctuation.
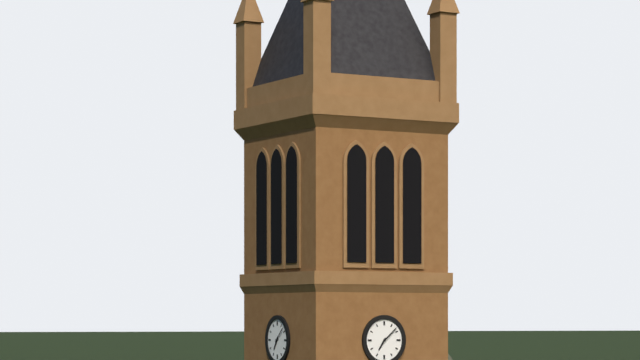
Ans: {"hour": 7, "minute": 8}
